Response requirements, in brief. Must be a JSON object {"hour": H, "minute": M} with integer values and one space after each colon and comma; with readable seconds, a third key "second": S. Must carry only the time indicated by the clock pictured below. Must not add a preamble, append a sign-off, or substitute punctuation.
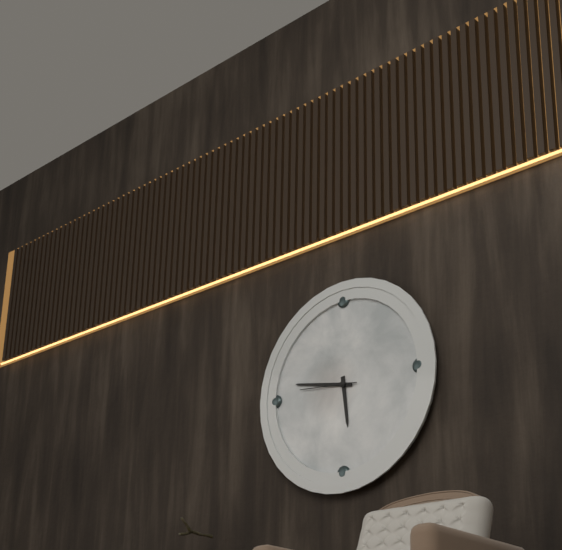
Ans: {"hour": 5, "minute": 47, "second": 46}
